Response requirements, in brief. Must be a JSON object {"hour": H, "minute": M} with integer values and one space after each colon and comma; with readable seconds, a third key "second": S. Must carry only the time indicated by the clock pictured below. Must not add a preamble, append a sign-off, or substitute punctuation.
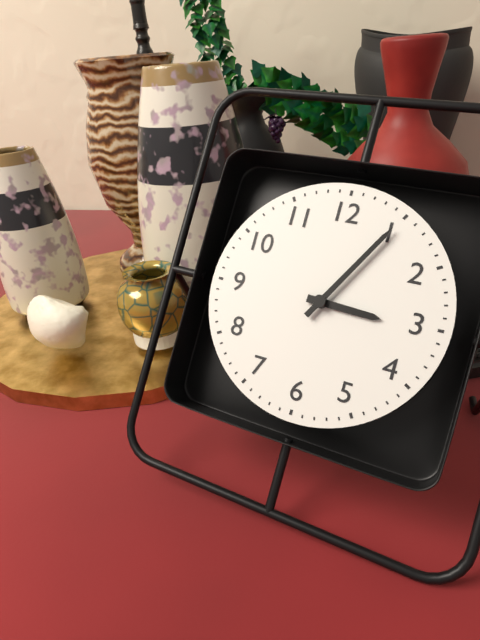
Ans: {"hour": 3, "minute": 5}
